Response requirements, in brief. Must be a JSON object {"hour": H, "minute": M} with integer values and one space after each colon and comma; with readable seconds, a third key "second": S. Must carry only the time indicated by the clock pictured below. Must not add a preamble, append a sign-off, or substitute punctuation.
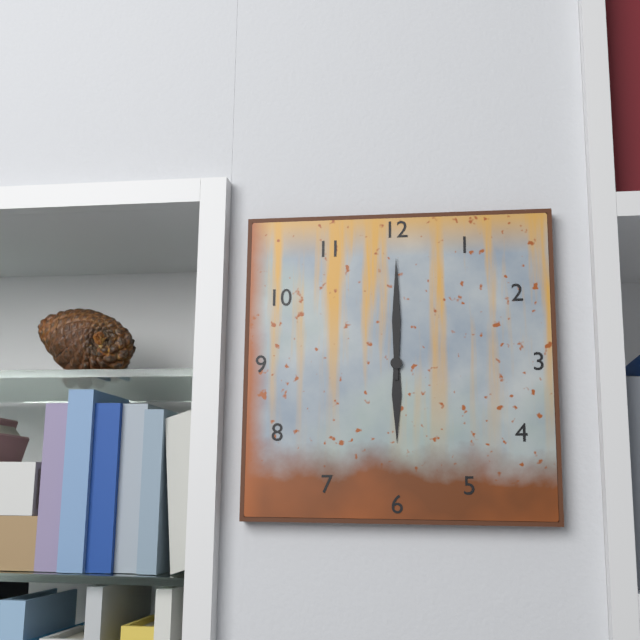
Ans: {"hour": 6, "minute": 0}
